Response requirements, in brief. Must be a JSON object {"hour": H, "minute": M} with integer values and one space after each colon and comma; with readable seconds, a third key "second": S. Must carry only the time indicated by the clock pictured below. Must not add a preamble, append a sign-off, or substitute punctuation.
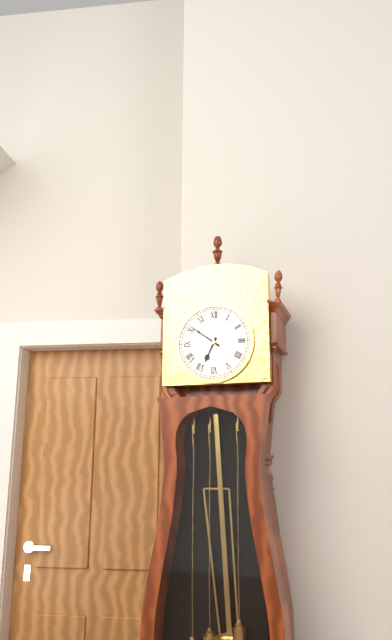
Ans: {"hour": 6, "minute": 51}
